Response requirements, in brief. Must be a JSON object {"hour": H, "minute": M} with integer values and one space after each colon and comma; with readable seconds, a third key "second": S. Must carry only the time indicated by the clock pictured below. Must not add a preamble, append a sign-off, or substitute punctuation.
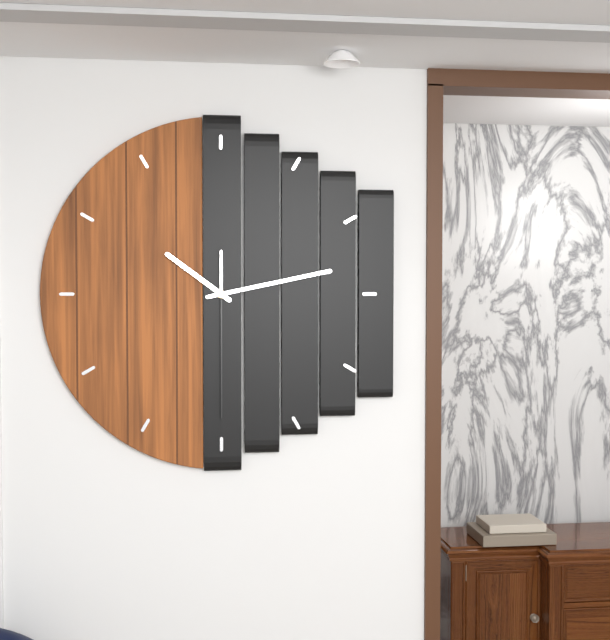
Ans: {"hour": 10, "minute": 13, "second": 30}
